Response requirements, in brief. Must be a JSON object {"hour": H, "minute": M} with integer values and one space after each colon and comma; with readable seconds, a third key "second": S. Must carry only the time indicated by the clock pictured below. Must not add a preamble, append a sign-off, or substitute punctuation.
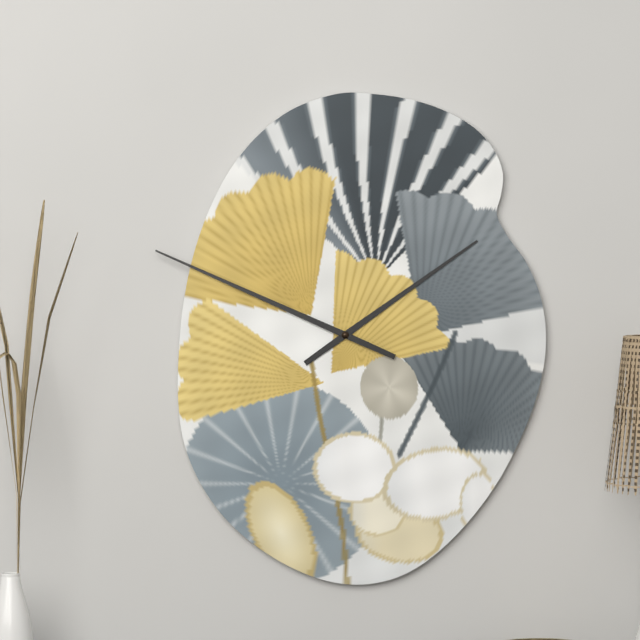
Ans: {"hour": 1, "minute": 49}
